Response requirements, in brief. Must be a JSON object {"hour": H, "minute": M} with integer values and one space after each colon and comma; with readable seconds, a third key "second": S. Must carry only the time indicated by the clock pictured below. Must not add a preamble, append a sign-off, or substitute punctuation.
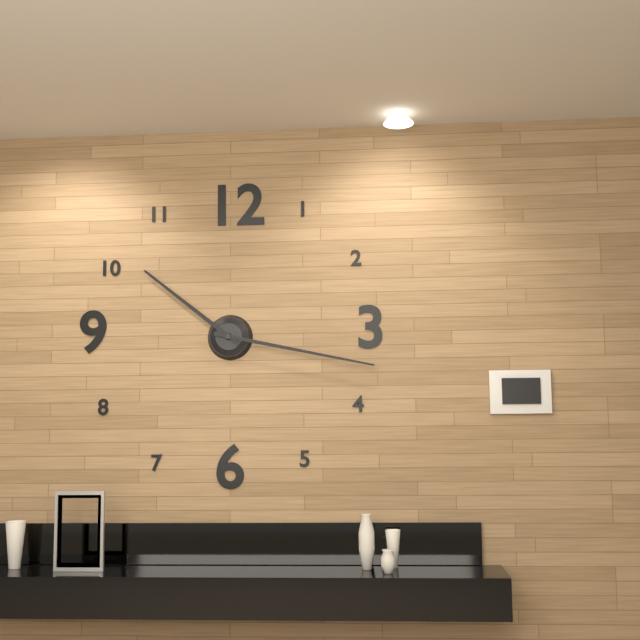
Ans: {"hour": 10, "minute": 17}
